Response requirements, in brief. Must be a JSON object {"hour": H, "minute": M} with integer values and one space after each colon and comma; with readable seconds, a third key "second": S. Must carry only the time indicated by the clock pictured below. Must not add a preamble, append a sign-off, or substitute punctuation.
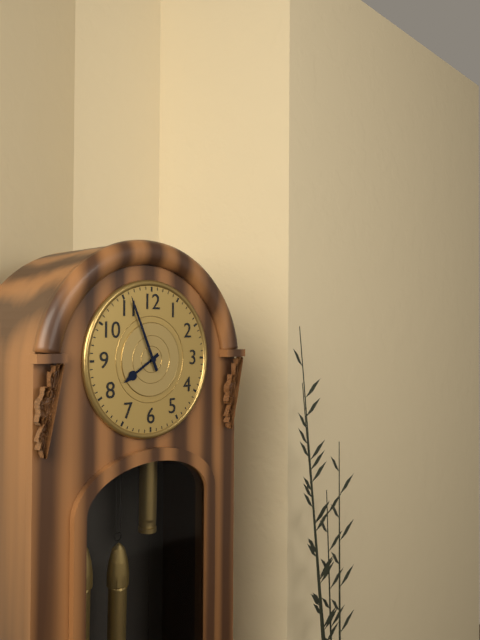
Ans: {"hour": 7, "minute": 56}
